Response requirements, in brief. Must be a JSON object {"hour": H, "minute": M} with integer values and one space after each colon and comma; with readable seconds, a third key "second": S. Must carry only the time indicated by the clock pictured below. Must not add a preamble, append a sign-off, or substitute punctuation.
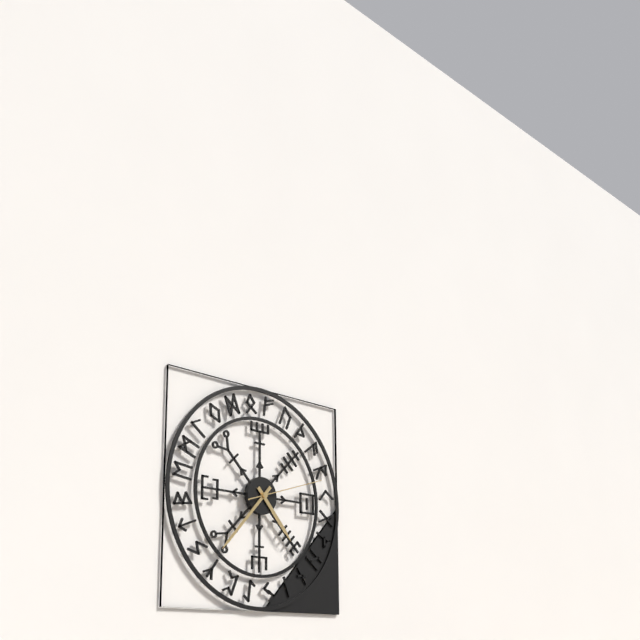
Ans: {"hour": 4, "minute": 37, "second": 12}
